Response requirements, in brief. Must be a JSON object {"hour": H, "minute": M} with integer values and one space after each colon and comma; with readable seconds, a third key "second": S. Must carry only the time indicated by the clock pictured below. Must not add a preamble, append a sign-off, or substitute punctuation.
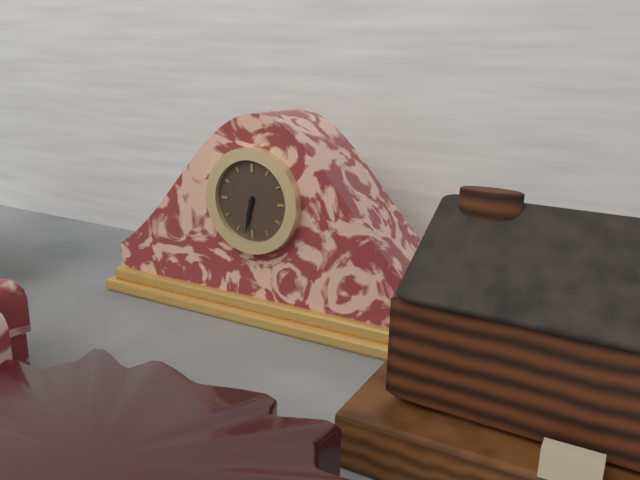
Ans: {"hour": 6, "minute": 32}
